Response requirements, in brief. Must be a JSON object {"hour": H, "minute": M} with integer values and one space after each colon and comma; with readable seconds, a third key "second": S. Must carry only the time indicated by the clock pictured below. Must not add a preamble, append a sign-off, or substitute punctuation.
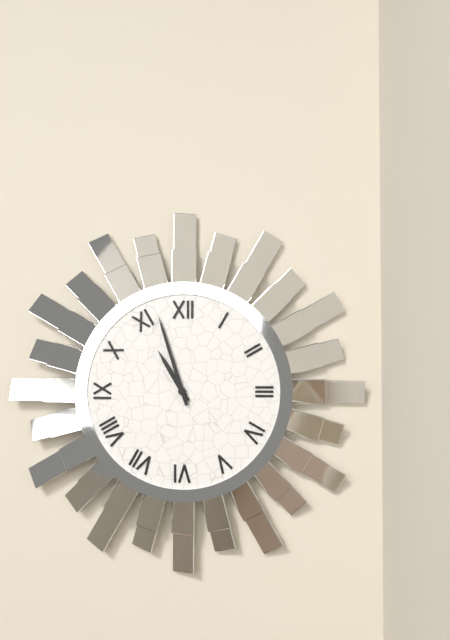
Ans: {"hour": 10, "minute": 57}
